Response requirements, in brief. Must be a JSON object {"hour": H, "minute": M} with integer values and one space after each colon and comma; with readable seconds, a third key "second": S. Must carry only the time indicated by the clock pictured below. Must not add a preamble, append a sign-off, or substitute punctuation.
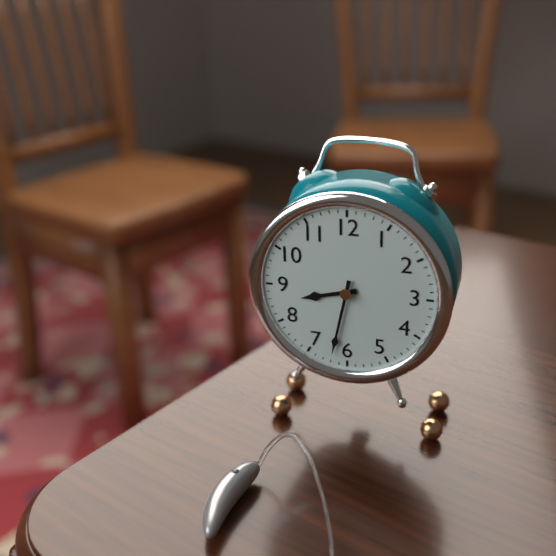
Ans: {"hour": 8, "minute": 32}
